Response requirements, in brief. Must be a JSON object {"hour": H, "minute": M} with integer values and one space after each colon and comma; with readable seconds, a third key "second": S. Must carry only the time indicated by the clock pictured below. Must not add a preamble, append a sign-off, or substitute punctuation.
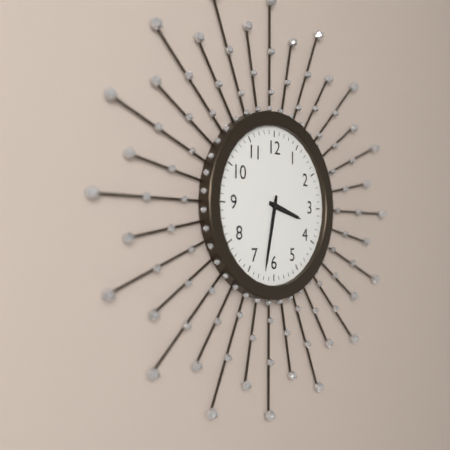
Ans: {"hour": 3, "minute": 32}
